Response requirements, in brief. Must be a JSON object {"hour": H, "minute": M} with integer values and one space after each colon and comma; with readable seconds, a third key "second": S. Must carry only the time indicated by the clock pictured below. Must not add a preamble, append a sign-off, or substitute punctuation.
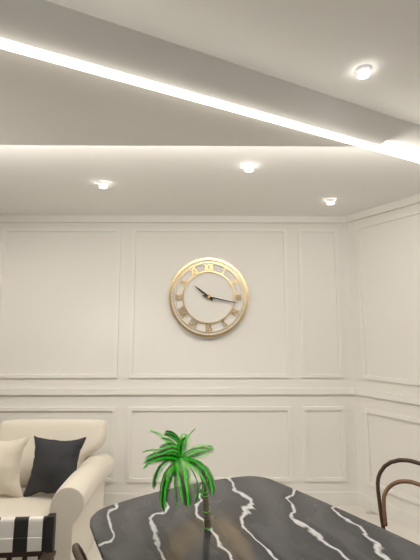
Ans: {"hour": 10, "minute": 17}
